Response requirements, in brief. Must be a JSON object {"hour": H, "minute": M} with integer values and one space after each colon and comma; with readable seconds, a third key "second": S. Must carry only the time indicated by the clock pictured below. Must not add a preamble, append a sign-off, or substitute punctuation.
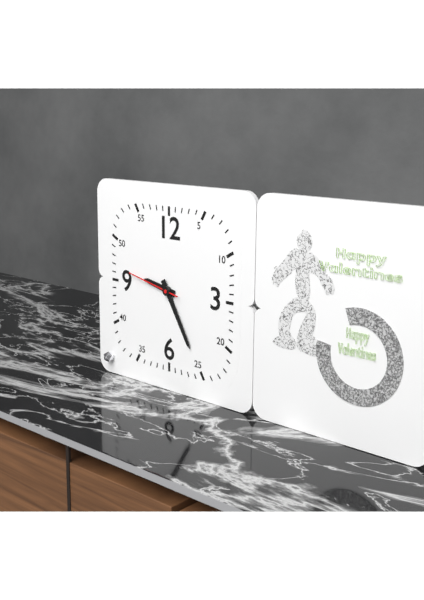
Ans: {"hour": 9, "minute": 25, "second": 47}
